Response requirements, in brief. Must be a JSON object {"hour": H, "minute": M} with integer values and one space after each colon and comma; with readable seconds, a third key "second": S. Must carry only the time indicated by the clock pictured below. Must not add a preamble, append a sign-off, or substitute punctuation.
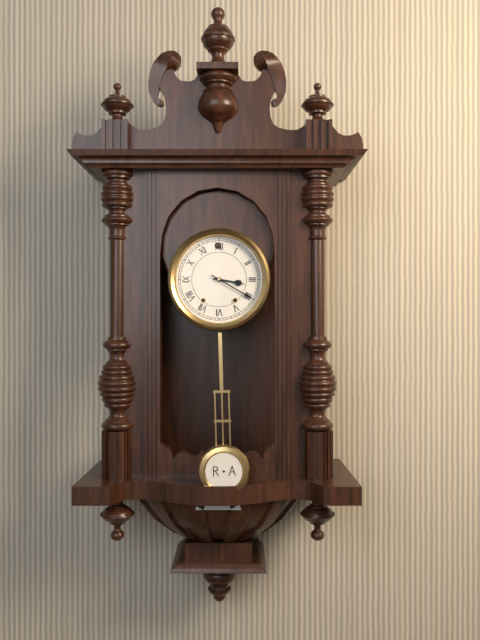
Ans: {"hour": 3, "minute": 20}
